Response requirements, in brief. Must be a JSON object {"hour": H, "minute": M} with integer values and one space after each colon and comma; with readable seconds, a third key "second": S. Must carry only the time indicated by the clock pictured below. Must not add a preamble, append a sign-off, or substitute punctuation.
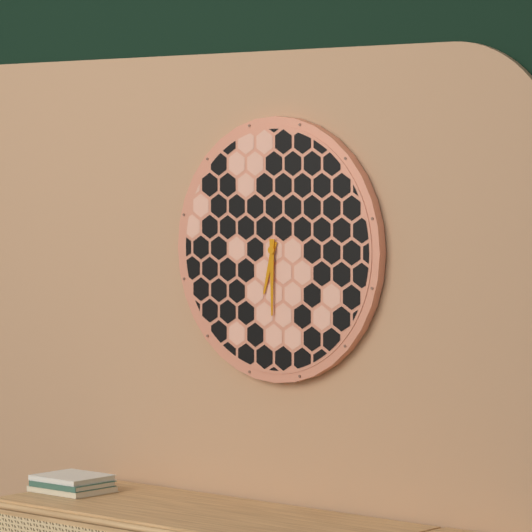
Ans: {"hour": 6, "minute": 30}
